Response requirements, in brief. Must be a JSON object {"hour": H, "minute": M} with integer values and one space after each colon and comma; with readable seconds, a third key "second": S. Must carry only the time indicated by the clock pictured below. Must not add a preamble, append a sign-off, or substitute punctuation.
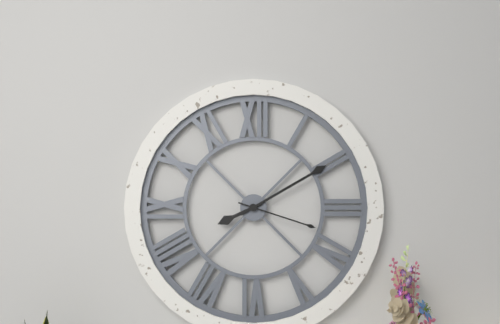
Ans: {"hour": 8, "minute": 10, "second": 18}
